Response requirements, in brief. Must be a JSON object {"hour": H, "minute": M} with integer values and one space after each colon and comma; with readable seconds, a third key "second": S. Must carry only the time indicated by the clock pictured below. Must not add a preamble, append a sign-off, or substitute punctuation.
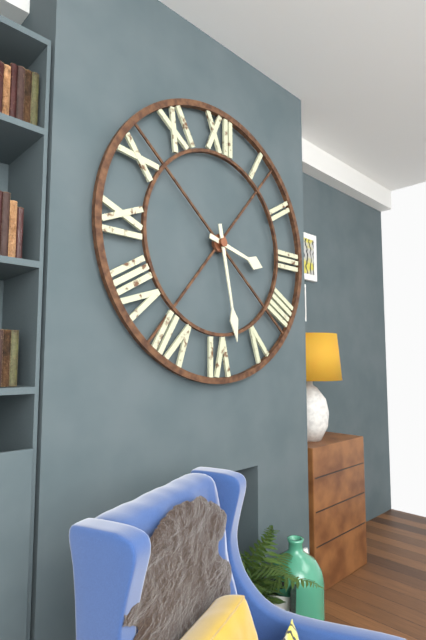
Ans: {"hour": 3, "minute": 28}
